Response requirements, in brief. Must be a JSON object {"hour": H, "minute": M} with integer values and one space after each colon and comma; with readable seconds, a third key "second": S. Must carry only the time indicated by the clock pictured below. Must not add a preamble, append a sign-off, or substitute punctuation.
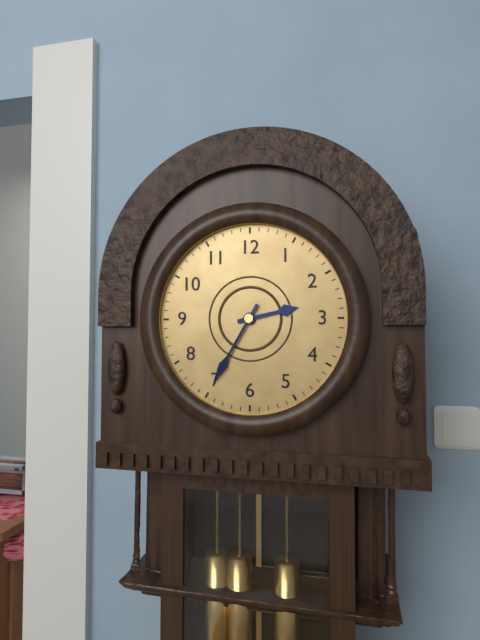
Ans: {"hour": 2, "minute": 35}
